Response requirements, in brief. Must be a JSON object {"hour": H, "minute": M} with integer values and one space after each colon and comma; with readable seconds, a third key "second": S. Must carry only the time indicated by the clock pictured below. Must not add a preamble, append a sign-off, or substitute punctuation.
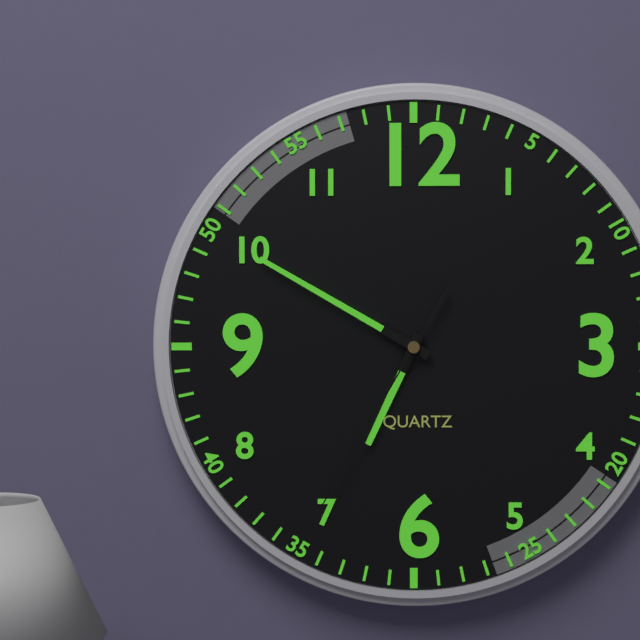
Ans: {"hour": 6, "minute": 50, "second": 35}
